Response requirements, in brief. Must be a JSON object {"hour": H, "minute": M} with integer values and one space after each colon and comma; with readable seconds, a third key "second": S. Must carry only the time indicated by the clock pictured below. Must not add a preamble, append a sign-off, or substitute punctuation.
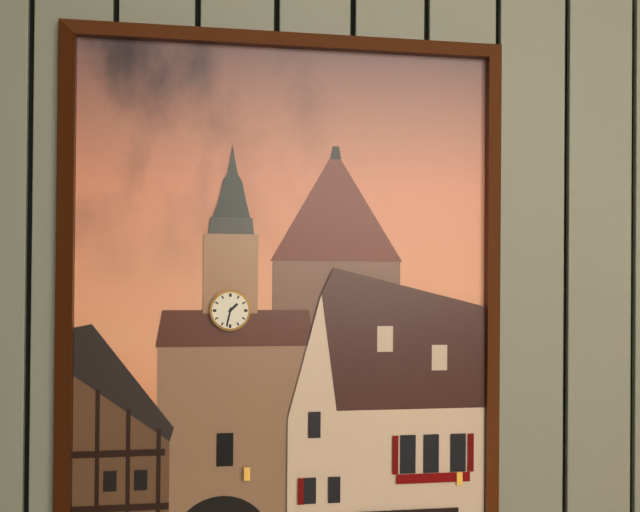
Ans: {"hour": 1, "minute": 32}
